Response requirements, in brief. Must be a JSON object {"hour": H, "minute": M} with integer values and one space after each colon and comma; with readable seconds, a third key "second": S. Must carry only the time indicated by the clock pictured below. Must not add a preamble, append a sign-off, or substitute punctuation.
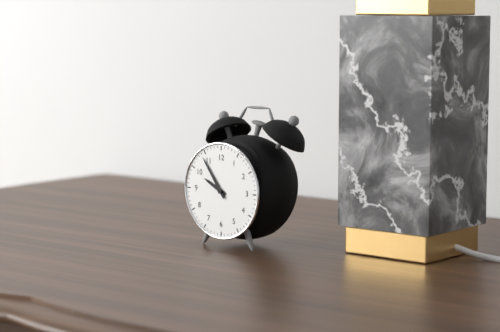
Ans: {"hour": 9, "minute": 54}
